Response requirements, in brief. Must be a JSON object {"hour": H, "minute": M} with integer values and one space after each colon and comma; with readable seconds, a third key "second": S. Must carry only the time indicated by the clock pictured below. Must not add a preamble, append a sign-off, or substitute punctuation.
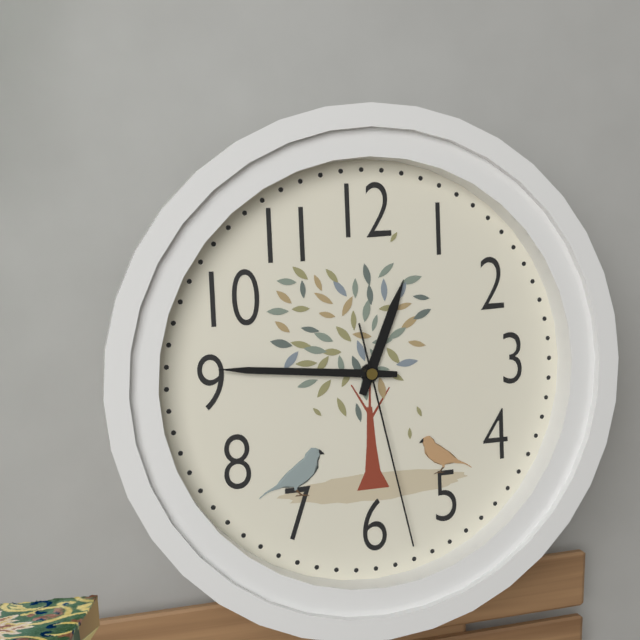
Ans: {"hour": 12, "minute": 46, "second": 28}
